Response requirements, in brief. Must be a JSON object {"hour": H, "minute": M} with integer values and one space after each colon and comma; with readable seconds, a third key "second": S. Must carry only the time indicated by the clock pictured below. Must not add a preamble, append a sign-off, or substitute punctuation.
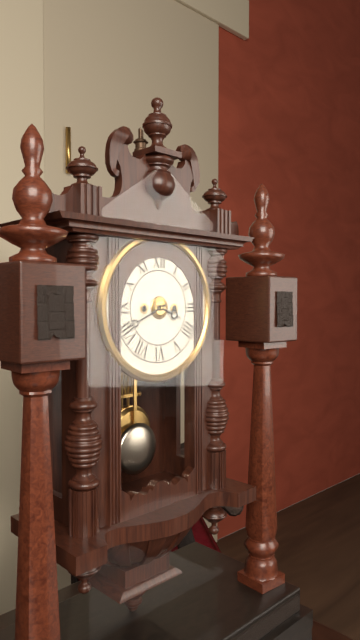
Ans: {"hour": 3, "minute": 41}
